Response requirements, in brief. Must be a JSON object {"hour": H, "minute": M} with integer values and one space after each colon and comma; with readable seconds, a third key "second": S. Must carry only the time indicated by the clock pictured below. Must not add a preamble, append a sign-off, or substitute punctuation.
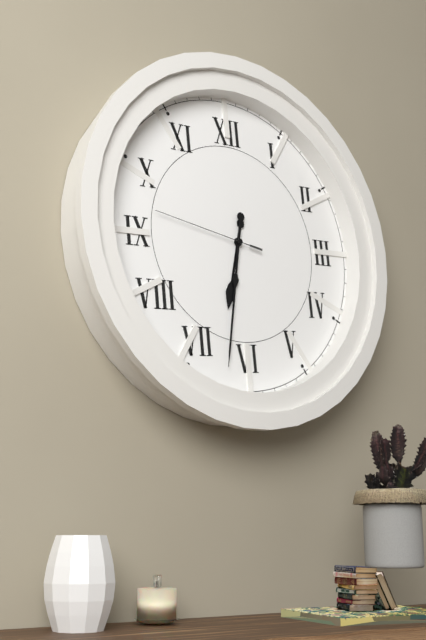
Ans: {"hour": 6, "minute": 32, "second": 47}
